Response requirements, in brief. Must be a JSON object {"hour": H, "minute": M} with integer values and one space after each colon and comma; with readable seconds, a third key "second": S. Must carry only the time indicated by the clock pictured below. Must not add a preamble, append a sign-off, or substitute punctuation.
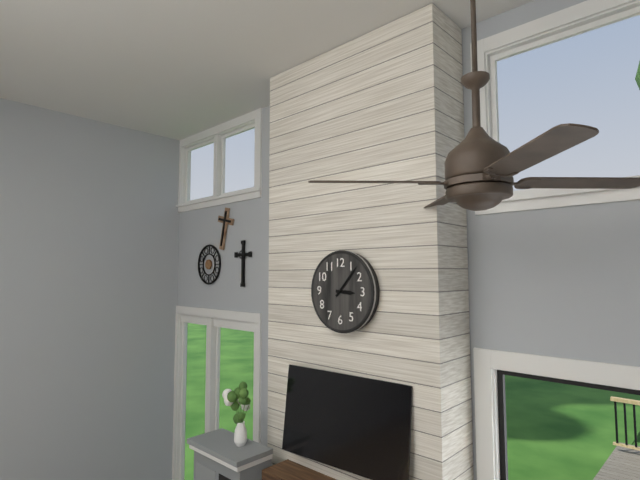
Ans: {"hour": 3, "minute": 7}
